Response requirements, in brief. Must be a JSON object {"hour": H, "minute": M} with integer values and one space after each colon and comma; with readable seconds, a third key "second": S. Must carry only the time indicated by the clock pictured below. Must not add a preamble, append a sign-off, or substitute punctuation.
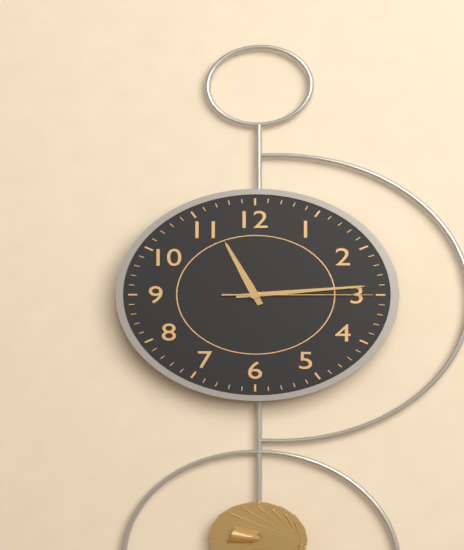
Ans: {"hour": 11, "minute": 14, "second": 15}
